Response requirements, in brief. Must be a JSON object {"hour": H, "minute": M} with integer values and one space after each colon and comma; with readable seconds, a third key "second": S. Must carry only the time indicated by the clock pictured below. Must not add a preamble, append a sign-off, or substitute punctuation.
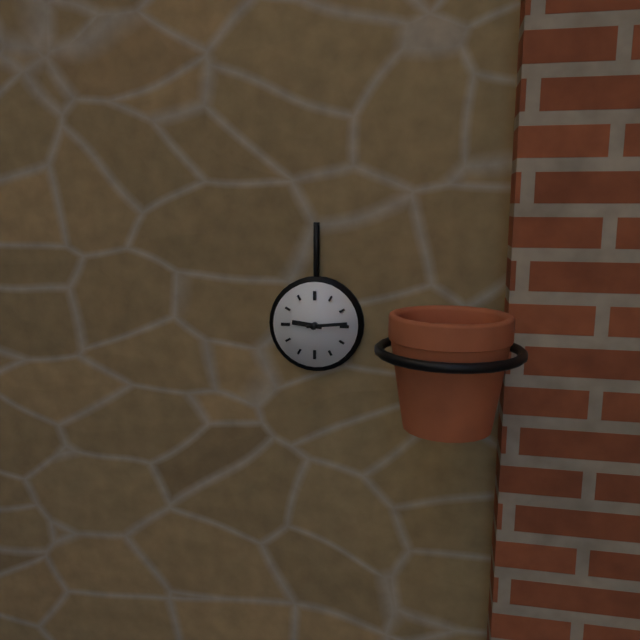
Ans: {"hour": 9, "minute": 14}
